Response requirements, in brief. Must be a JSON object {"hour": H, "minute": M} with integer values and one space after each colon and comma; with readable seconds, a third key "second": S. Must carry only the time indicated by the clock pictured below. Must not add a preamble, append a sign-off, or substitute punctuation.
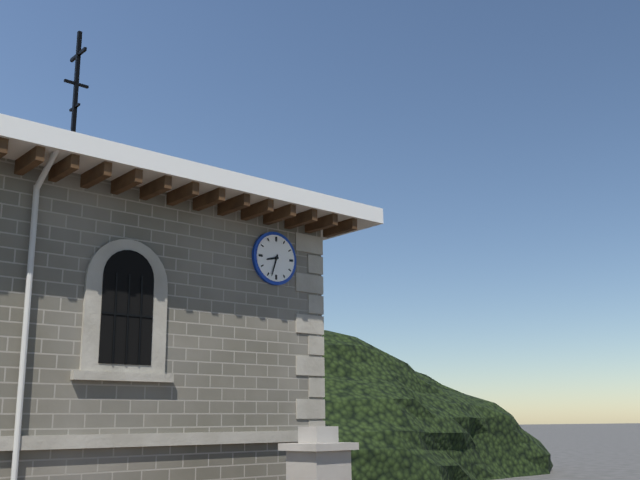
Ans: {"hour": 8, "minute": 33}
